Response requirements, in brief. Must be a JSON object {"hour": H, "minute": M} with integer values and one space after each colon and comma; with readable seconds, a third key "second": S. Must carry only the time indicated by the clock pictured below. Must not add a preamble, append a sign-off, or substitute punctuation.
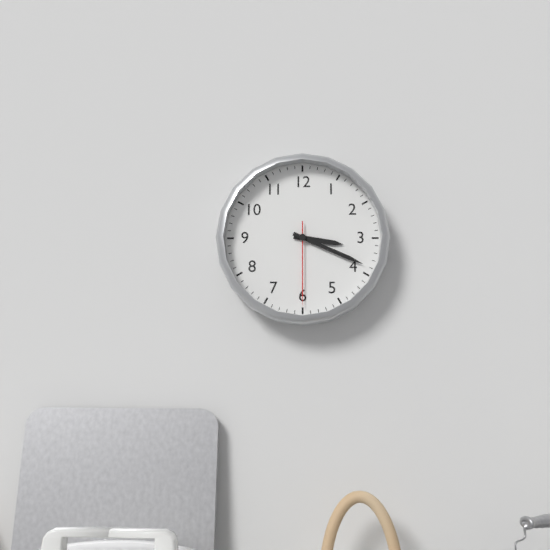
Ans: {"hour": 3, "minute": 19, "second": 30}
